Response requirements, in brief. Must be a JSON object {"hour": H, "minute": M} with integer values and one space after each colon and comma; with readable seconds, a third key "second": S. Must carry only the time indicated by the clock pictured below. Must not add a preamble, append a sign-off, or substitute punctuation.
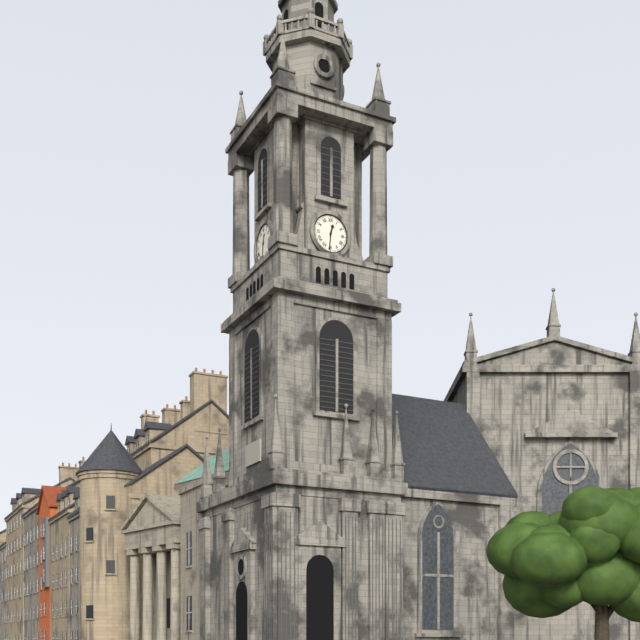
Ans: {"hour": 12, "minute": 31}
